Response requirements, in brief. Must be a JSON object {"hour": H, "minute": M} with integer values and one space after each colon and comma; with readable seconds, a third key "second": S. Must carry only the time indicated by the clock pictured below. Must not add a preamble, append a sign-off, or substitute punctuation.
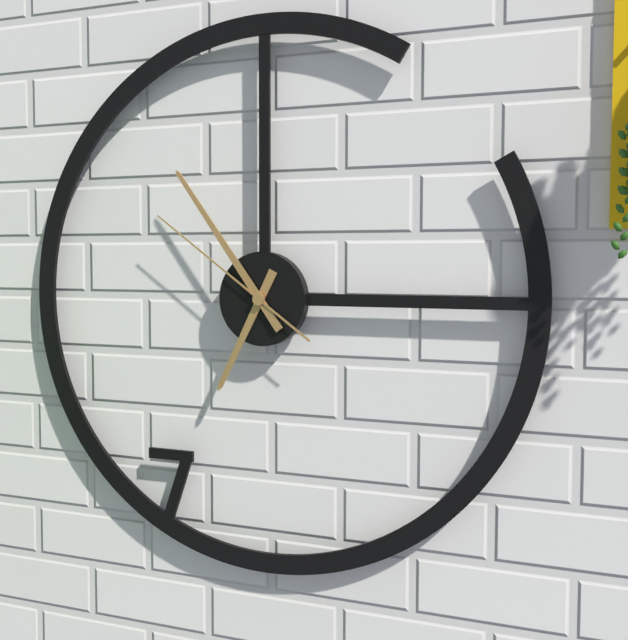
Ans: {"hour": 6, "minute": 54, "second": 51}
